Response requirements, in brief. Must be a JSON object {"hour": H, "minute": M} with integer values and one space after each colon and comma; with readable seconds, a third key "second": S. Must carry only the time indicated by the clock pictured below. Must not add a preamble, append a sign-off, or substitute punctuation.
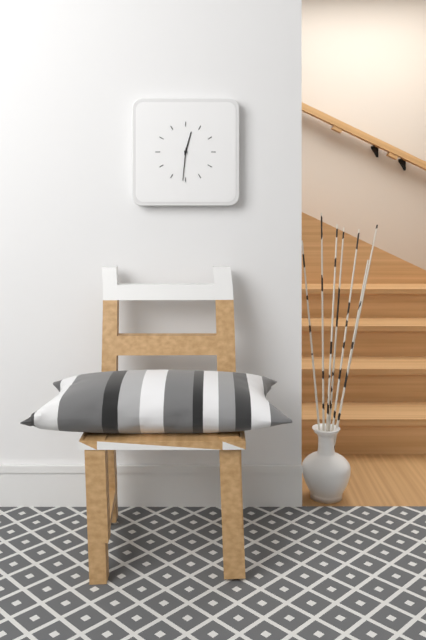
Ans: {"hour": 12, "minute": 31}
